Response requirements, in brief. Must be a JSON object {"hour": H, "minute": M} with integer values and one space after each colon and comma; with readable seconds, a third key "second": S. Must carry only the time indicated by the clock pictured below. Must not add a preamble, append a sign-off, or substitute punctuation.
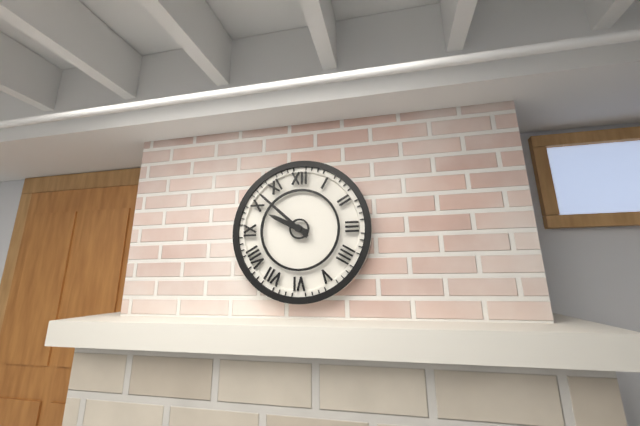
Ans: {"hour": 9, "minute": 52}
